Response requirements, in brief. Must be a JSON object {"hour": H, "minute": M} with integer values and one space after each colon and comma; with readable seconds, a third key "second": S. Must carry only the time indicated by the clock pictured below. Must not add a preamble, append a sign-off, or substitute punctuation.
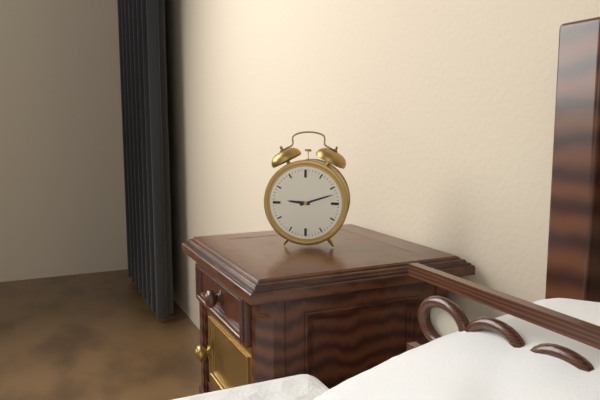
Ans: {"hour": 9, "minute": 12}
